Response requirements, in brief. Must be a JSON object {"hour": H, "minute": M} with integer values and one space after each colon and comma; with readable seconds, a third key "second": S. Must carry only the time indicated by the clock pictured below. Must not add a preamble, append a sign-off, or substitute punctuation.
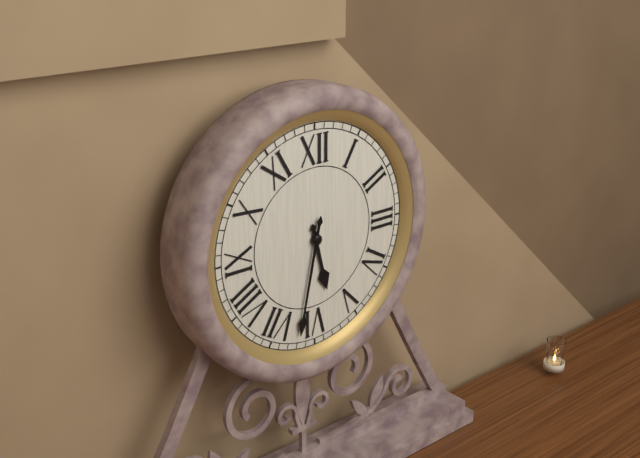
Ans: {"hour": 5, "minute": 32}
